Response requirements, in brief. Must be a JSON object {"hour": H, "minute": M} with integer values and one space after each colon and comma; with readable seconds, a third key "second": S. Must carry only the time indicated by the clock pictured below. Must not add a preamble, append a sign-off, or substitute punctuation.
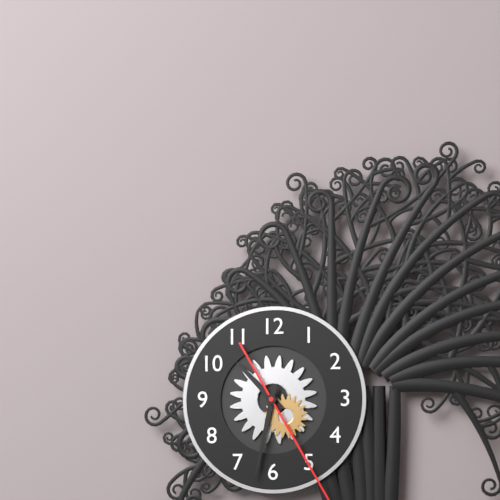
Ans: {"hour": 10, "minute": 32}
